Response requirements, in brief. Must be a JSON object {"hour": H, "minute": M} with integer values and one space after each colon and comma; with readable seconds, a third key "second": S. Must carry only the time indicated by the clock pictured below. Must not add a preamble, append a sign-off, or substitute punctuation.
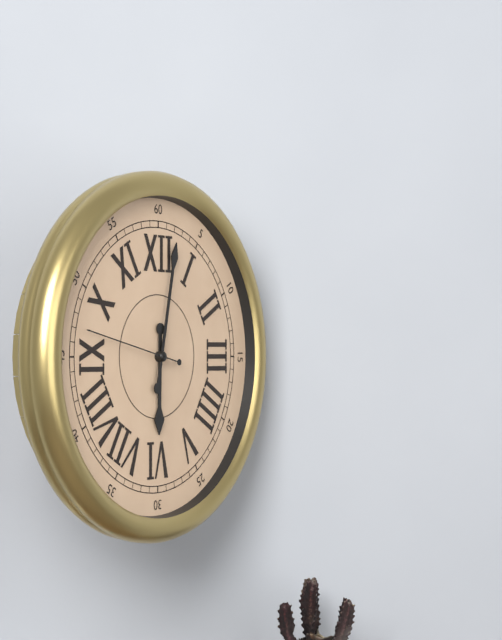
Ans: {"hour": 6, "minute": 2, "second": 47}
